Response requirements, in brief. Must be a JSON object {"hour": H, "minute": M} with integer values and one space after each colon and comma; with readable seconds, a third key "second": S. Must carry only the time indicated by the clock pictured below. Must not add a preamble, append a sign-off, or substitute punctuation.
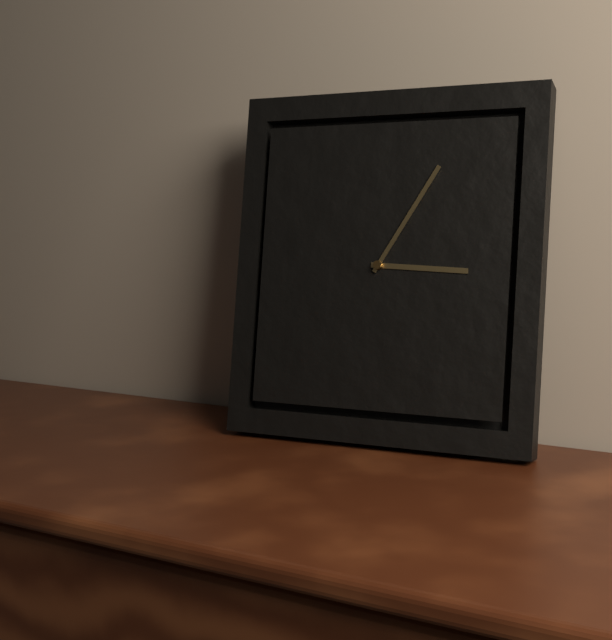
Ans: {"hour": 3, "minute": 5}
